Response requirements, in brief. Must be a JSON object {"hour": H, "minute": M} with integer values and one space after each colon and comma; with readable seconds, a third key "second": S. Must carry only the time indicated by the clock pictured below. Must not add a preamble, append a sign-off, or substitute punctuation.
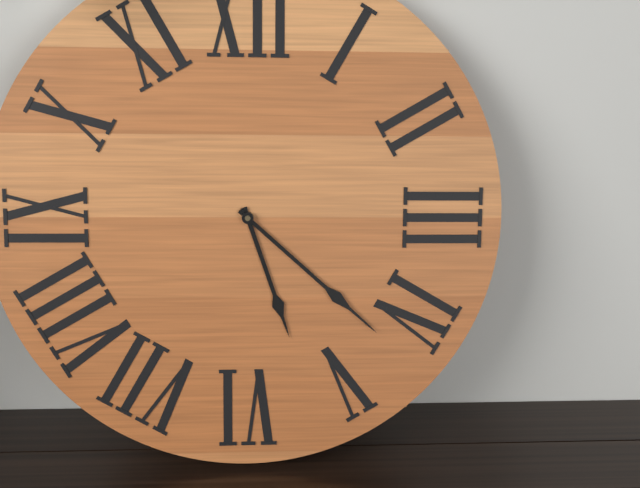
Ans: {"hour": 5, "minute": 22}
